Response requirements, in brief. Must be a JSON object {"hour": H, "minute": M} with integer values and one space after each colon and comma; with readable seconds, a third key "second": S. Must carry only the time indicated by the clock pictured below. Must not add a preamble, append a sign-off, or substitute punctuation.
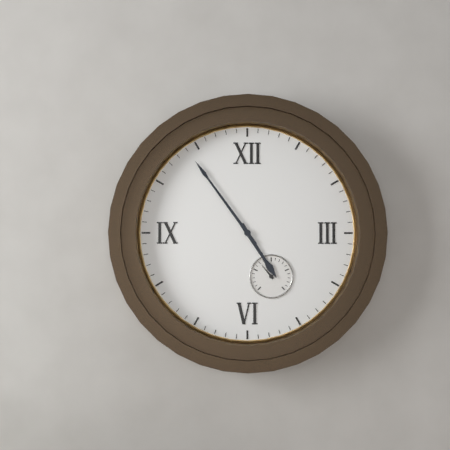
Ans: {"hour": 4, "minute": 54}
